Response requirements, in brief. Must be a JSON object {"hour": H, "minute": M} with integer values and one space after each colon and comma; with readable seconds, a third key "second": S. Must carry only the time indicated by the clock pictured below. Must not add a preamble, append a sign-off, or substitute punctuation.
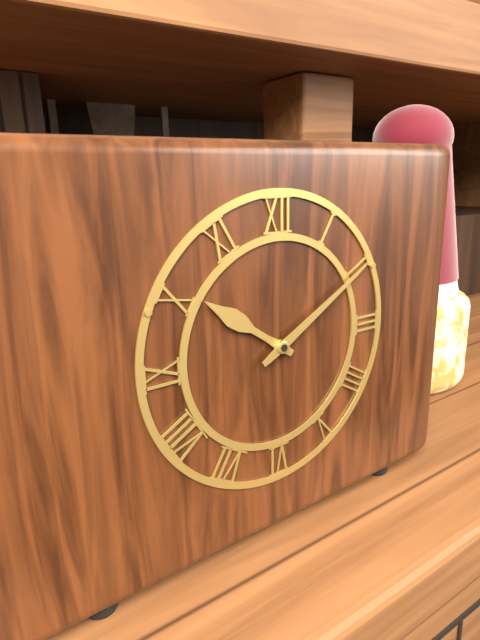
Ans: {"hour": 10, "minute": 10}
